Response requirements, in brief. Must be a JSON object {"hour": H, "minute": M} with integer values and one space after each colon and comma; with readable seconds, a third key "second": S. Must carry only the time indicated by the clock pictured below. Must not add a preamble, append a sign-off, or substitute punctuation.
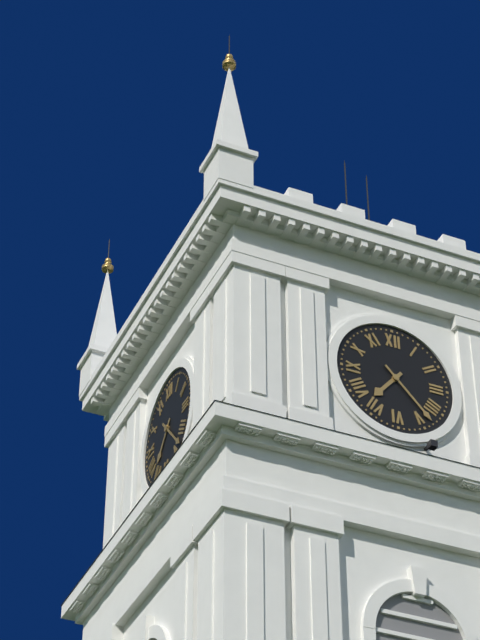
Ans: {"hour": 7, "minute": 23}
